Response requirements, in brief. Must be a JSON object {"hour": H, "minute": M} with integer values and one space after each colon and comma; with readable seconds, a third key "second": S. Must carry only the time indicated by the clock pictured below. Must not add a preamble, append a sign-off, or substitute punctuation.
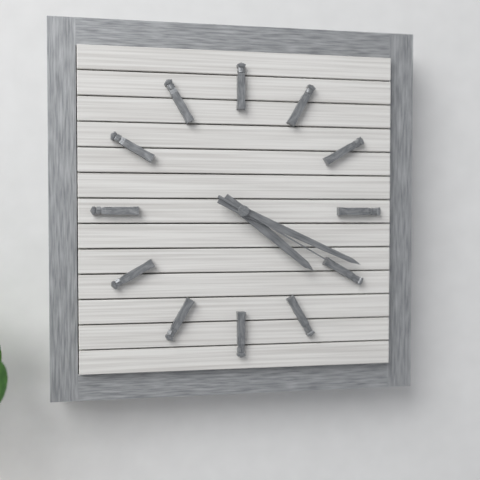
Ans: {"hour": 4, "minute": 19, "second": 20}
